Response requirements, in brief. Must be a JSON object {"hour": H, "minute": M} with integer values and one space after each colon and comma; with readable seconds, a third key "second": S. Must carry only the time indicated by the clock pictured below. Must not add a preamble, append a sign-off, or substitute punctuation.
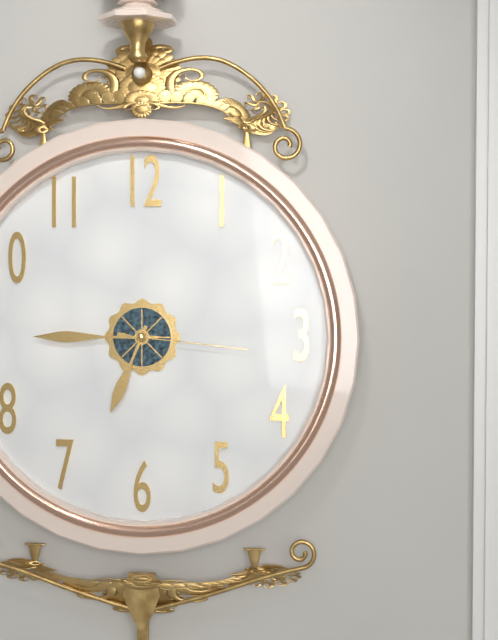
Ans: {"hour": 6, "minute": 45, "second": 16}
